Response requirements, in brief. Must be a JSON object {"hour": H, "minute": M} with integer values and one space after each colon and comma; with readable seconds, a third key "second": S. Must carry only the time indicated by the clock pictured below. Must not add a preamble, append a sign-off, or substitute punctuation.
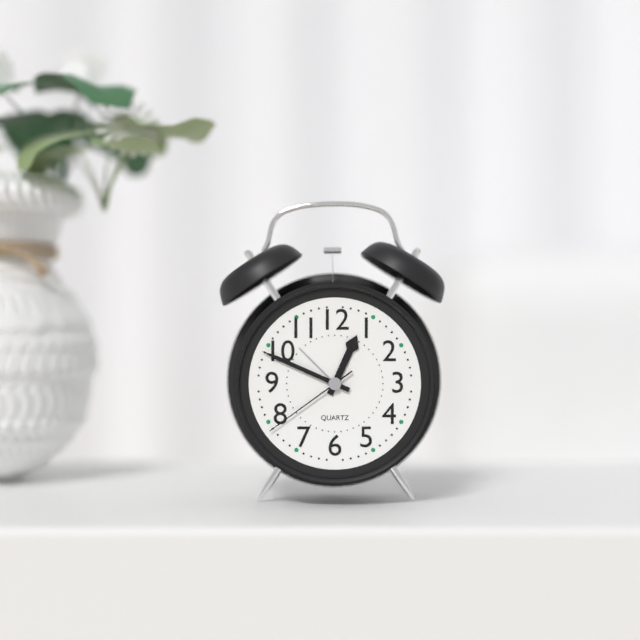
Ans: {"hour": 12, "minute": 49, "second": 39}
